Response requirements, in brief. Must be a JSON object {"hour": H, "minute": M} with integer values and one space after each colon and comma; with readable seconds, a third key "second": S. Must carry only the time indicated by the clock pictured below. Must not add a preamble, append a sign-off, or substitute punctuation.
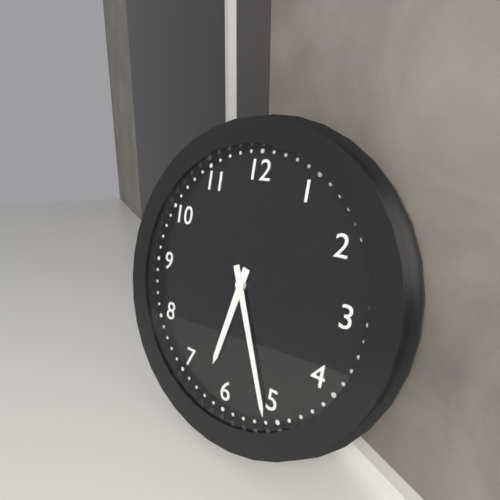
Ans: {"hour": 6, "minute": 26}
